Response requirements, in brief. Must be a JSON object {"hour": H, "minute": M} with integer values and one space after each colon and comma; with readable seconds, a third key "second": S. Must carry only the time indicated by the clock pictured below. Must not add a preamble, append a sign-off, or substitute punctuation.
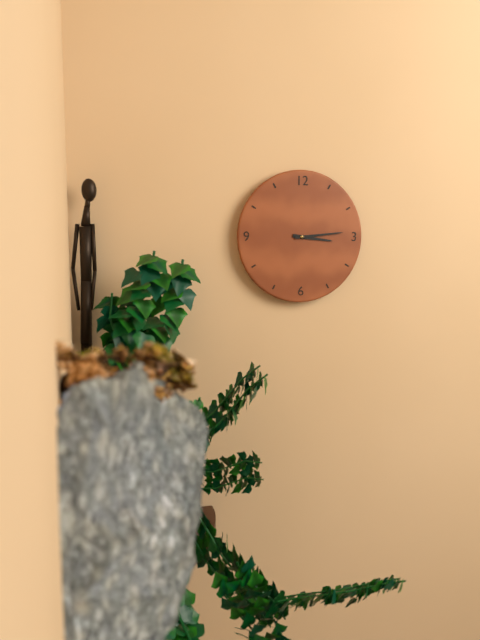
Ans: {"hour": 3, "minute": 14}
